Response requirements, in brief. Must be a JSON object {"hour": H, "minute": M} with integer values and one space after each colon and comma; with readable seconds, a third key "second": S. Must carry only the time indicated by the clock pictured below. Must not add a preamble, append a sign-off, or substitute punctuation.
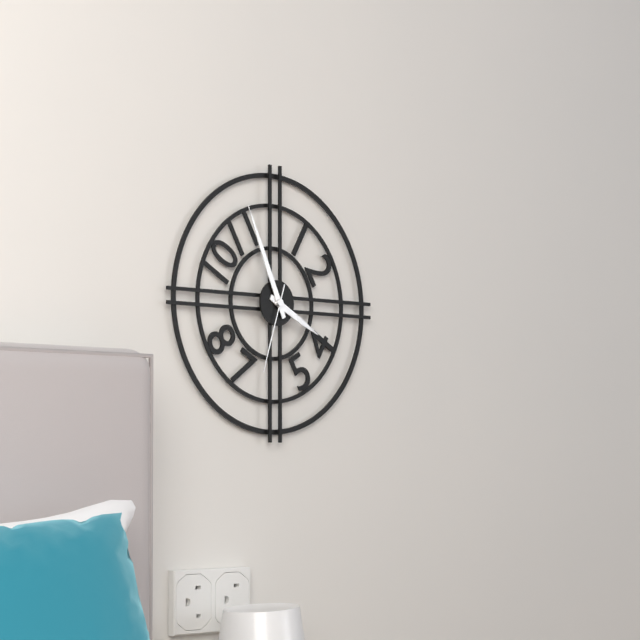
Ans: {"hour": 3, "minute": 56, "second": 33}
